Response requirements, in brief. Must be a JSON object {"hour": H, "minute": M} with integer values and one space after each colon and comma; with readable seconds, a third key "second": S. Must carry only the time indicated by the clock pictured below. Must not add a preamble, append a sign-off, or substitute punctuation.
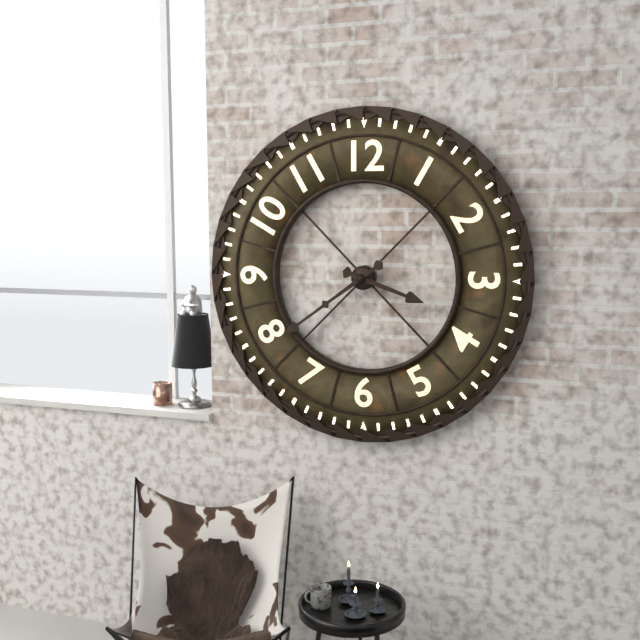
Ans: {"hour": 3, "minute": 39}
